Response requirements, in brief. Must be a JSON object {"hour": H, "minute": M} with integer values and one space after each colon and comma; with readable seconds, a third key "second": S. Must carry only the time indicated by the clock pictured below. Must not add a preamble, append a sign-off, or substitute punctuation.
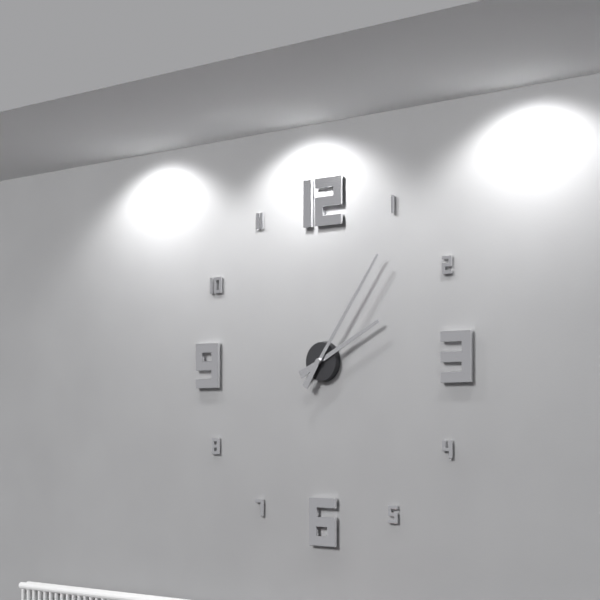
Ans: {"hour": 2, "minute": 6}
